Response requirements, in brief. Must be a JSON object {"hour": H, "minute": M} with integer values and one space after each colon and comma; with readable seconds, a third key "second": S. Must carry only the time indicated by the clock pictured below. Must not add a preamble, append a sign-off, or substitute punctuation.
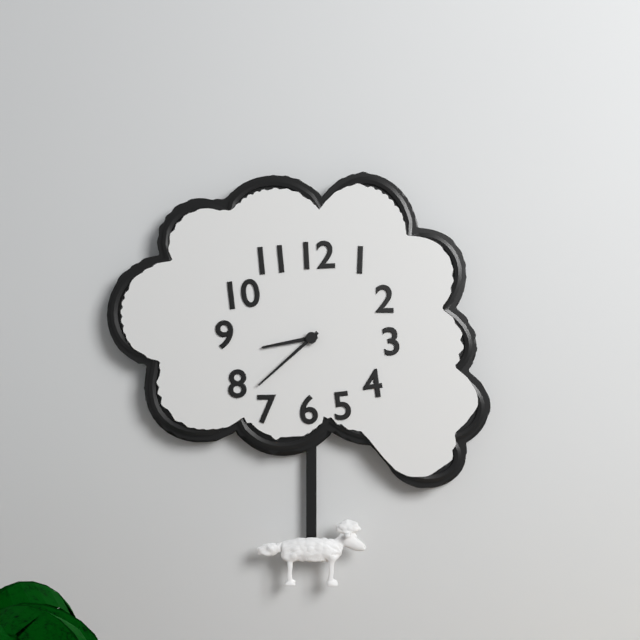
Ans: {"hour": 8, "minute": 38}
